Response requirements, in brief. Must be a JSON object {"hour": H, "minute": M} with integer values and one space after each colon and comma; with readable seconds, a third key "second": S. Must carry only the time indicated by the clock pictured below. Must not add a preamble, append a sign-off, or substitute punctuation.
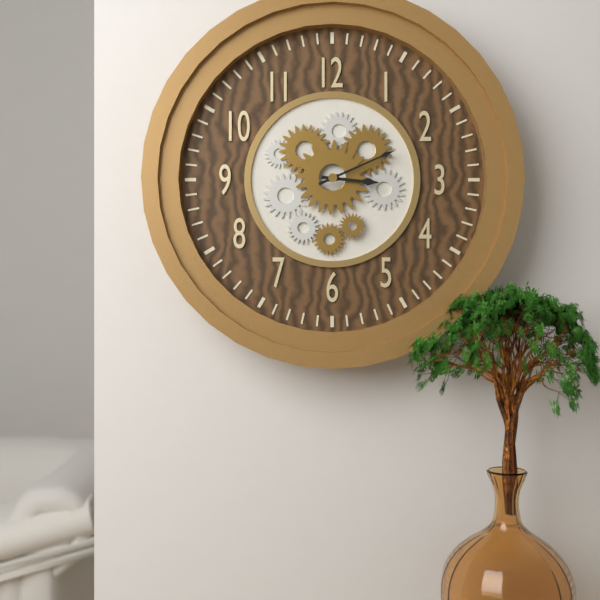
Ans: {"hour": 3, "minute": 11}
